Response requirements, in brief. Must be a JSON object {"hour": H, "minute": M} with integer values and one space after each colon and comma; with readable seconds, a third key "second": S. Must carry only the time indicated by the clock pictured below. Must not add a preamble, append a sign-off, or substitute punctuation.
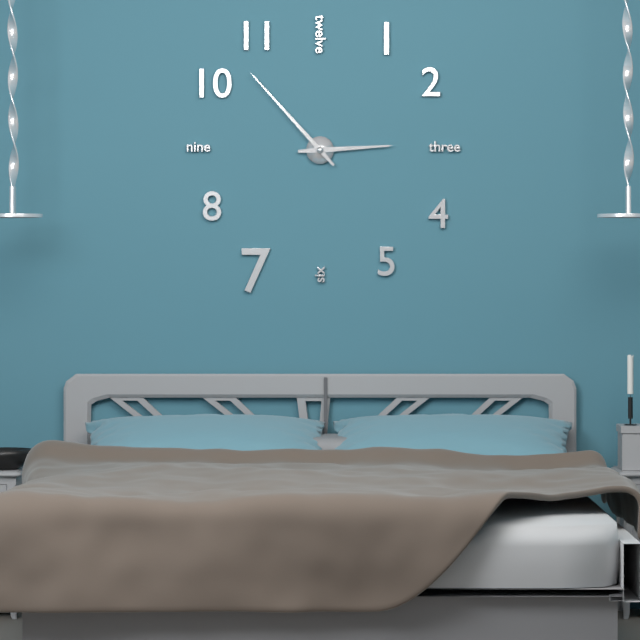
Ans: {"hour": 2, "minute": 53}
